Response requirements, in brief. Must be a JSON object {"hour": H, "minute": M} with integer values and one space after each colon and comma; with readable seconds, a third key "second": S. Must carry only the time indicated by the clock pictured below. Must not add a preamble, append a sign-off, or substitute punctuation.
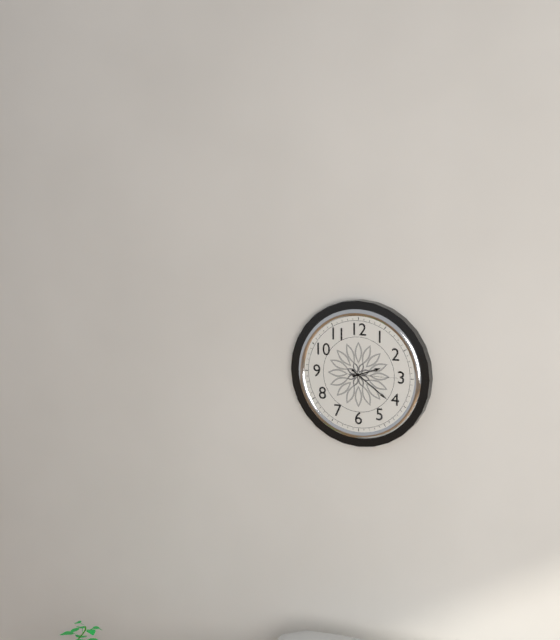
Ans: {"hour": 2, "minute": 21}
